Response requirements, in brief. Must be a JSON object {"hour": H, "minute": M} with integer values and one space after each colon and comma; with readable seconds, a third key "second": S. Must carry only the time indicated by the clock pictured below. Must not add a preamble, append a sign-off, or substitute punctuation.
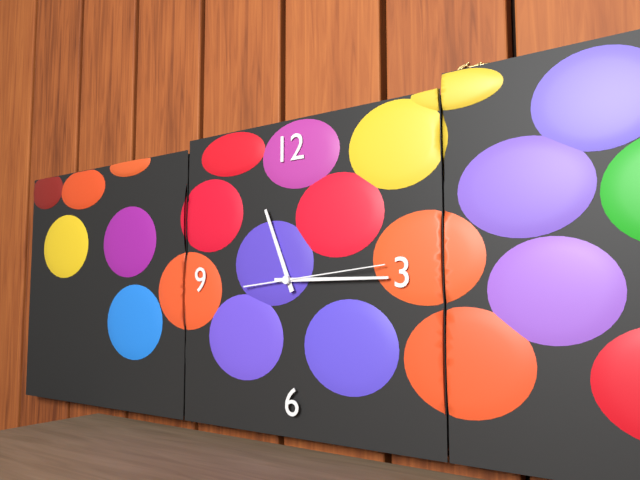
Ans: {"hour": 11, "minute": 15, "second": 14}
